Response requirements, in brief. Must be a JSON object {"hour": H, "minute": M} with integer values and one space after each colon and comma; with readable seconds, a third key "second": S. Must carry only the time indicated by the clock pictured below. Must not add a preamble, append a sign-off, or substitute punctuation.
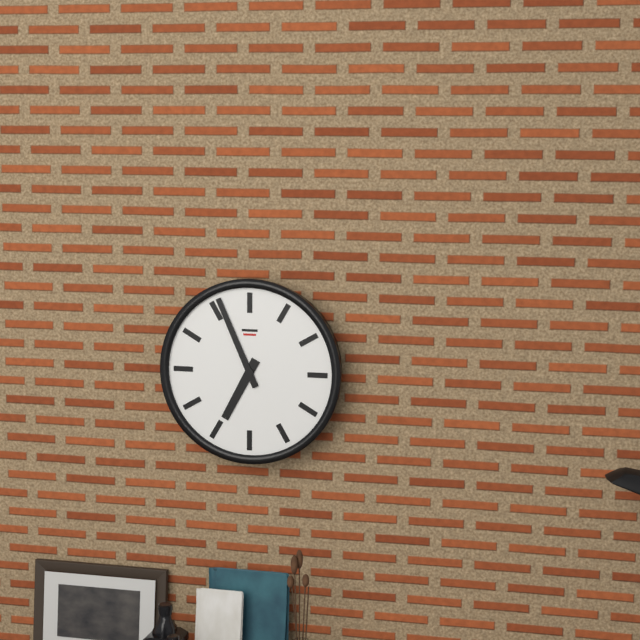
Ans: {"hour": 6, "minute": 56}
